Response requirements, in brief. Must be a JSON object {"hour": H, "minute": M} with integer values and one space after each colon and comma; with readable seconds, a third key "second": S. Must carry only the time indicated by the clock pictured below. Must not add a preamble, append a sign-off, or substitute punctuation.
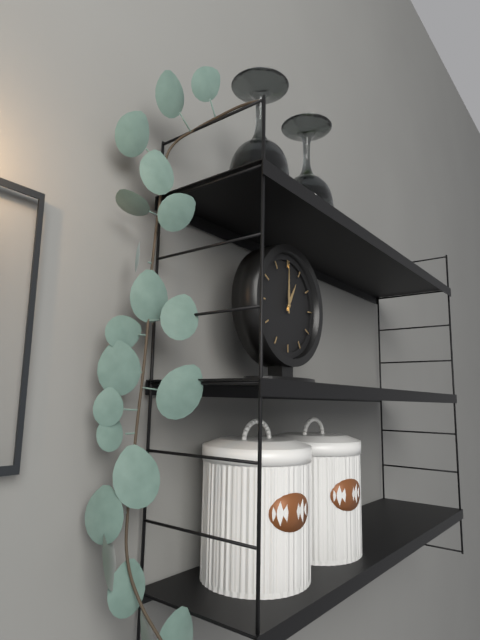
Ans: {"hour": 1, "minute": 0}
